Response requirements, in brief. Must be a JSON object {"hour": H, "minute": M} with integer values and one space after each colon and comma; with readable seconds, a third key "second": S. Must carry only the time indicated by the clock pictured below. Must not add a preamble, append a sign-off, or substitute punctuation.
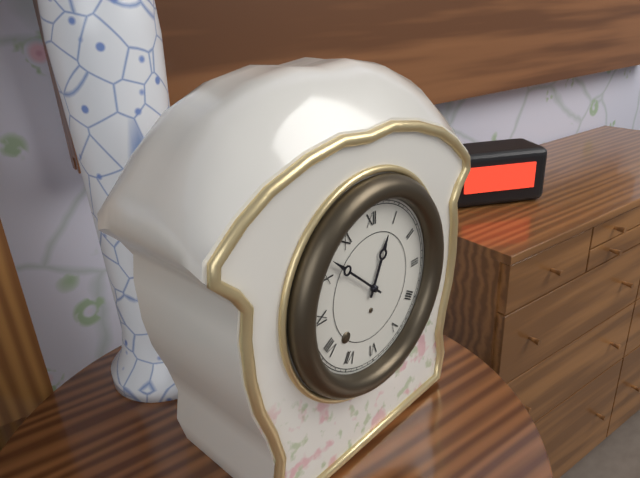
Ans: {"hour": 12, "minute": 52}
